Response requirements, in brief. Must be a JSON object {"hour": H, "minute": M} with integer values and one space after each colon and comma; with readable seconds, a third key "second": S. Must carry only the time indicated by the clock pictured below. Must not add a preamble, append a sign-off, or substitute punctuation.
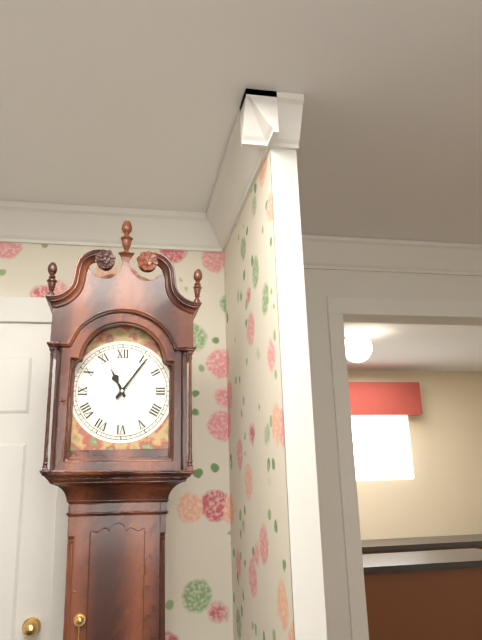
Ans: {"hour": 11, "minute": 6}
